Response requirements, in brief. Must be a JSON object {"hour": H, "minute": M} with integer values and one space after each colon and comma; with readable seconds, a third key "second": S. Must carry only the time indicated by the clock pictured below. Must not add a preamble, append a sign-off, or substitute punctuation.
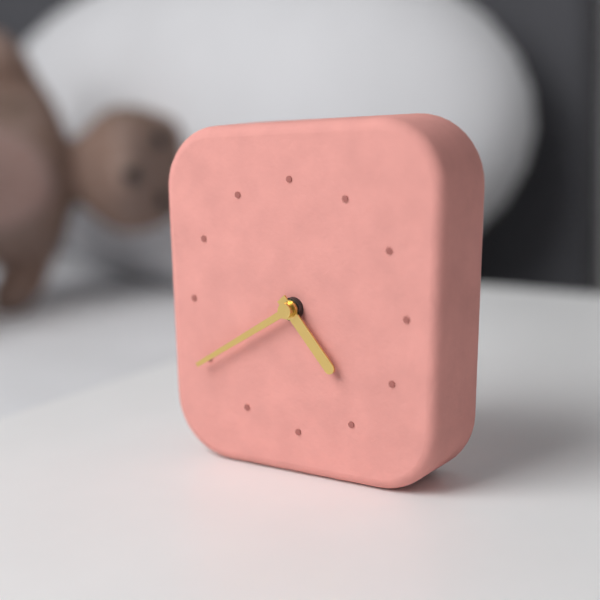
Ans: {"hour": 4, "minute": 40}
